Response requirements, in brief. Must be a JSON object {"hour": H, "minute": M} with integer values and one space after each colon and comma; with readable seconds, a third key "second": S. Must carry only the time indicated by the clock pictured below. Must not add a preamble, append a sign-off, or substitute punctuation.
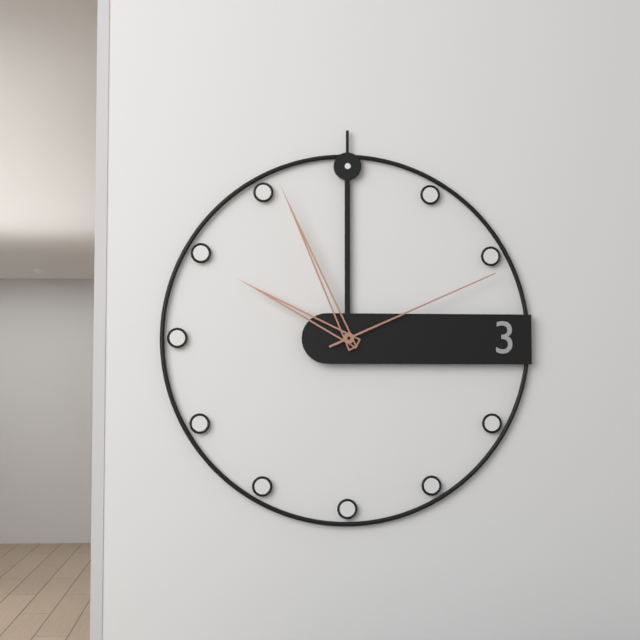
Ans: {"hour": 9, "minute": 56, "second": 11}
